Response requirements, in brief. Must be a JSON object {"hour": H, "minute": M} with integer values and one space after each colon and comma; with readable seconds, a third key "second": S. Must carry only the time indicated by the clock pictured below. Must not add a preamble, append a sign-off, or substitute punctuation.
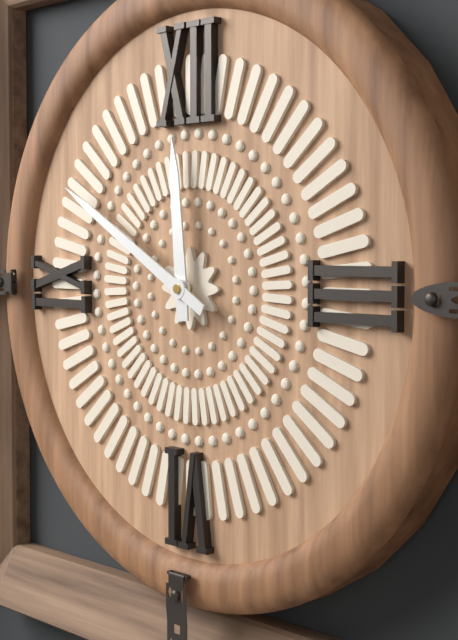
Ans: {"hour": 11, "minute": 50}
